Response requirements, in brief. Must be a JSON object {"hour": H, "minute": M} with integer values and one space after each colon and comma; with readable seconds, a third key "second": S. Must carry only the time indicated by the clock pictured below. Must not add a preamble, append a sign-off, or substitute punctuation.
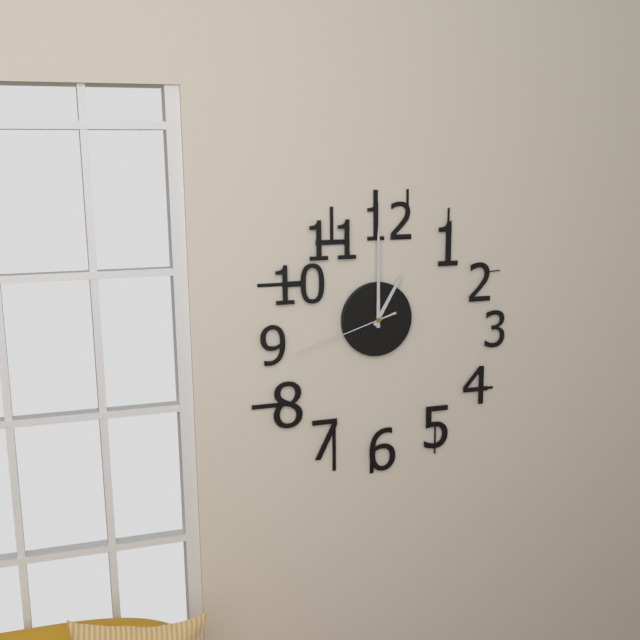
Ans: {"hour": 1, "minute": 0, "second": 42}
